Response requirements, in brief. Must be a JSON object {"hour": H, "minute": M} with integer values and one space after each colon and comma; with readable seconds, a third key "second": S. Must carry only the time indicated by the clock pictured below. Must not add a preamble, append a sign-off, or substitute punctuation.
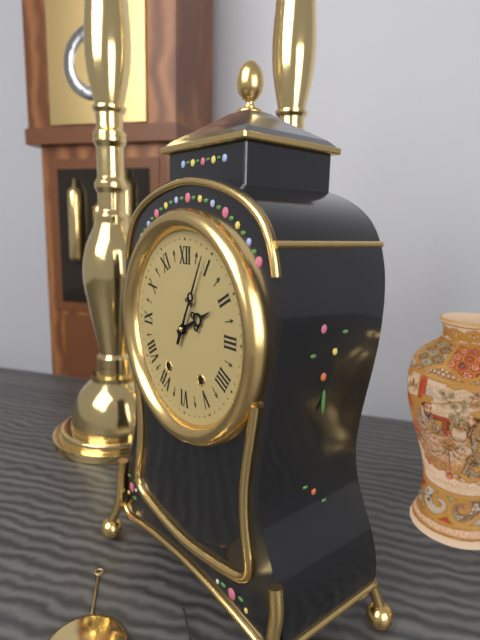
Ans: {"hour": 2, "minute": 4}
